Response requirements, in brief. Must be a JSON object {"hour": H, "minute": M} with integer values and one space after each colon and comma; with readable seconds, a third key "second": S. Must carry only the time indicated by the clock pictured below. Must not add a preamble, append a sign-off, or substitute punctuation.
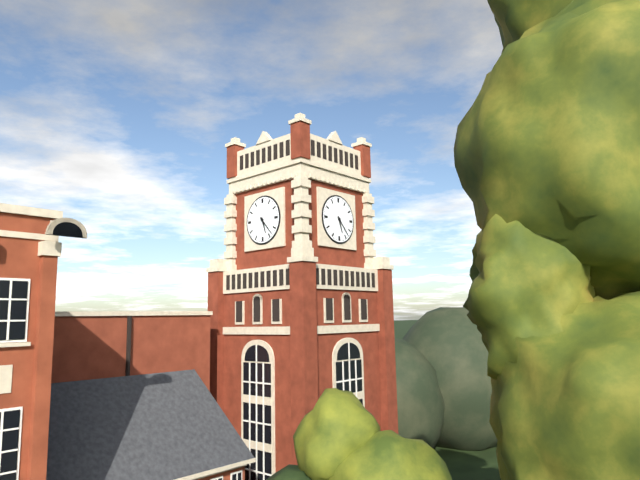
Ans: {"hour": 5, "minute": 23}
